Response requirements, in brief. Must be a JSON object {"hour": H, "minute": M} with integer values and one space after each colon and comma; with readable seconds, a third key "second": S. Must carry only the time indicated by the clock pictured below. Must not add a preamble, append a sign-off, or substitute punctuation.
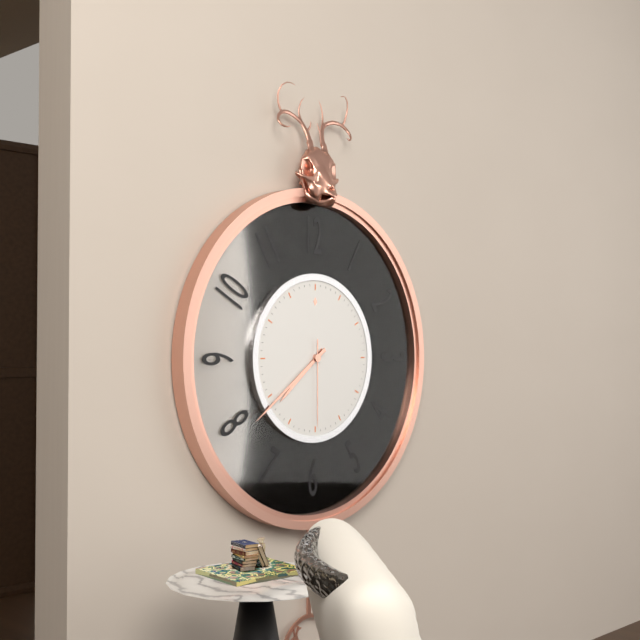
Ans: {"hour": 7, "minute": 39, "second": 30}
